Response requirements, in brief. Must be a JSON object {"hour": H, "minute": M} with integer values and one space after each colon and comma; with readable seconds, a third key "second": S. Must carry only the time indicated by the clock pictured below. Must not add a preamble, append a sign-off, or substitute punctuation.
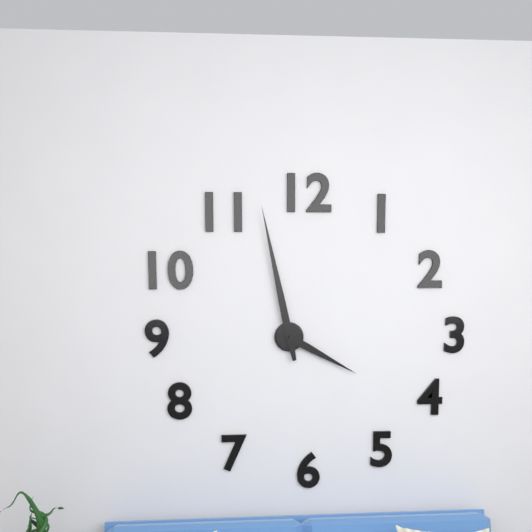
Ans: {"hour": 3, "minute": 58}
